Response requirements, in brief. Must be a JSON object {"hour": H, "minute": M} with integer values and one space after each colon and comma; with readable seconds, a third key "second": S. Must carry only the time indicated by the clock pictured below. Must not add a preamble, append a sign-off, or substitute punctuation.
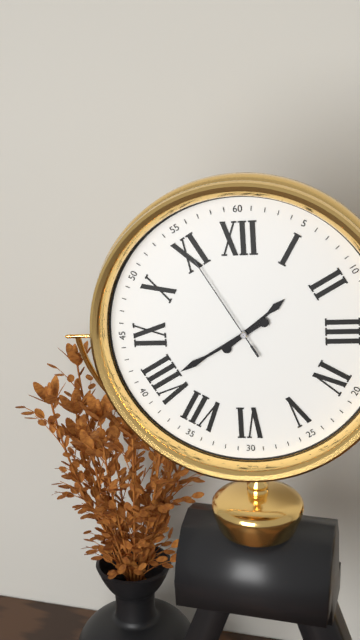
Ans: {"hour": 1, "minute": 40, "second": 55}
